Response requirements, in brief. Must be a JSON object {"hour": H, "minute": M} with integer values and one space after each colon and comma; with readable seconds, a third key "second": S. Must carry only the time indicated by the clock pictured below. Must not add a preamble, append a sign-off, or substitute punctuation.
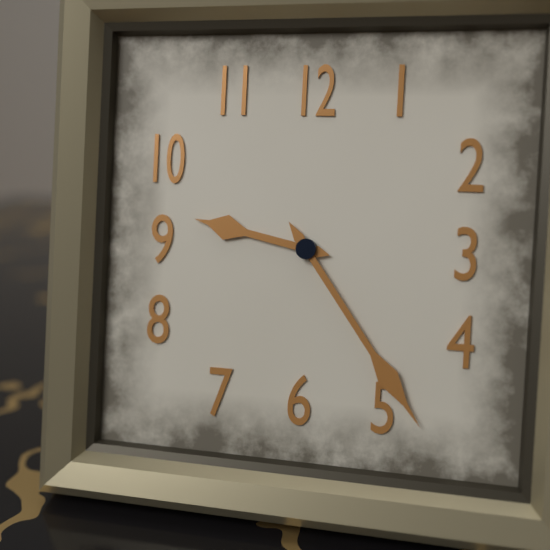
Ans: {"hour": 9, "minute": 24}
